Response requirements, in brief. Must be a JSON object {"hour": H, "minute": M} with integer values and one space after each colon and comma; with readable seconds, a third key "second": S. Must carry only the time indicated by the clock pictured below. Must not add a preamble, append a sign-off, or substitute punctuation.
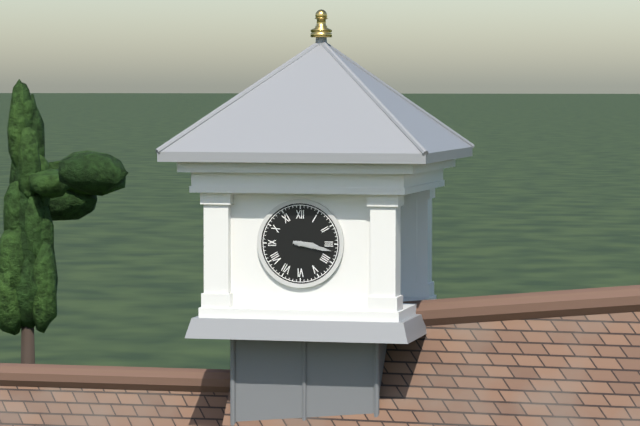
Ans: {"hour": 3, "minute": 17}
